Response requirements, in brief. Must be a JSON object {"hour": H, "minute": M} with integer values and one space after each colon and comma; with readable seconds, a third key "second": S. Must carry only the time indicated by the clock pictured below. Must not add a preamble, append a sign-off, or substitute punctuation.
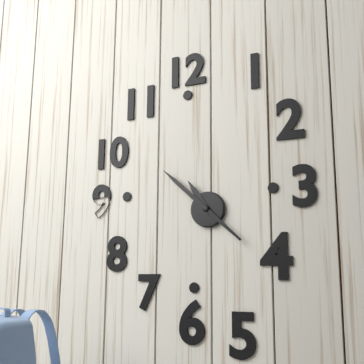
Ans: {"hour": 10, "minute": 52}
